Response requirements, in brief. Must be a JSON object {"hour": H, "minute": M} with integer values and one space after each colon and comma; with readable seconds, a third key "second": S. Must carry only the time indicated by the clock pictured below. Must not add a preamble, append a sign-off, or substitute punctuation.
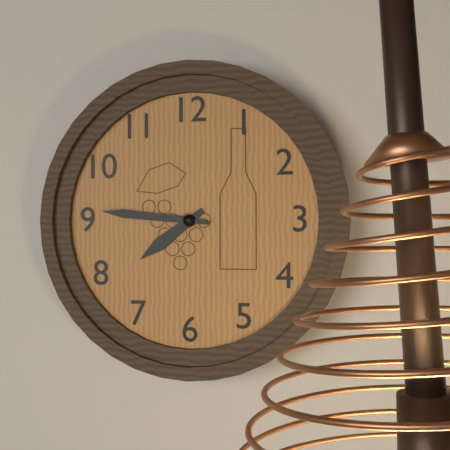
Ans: {"hour": 7, "minute": 46}
